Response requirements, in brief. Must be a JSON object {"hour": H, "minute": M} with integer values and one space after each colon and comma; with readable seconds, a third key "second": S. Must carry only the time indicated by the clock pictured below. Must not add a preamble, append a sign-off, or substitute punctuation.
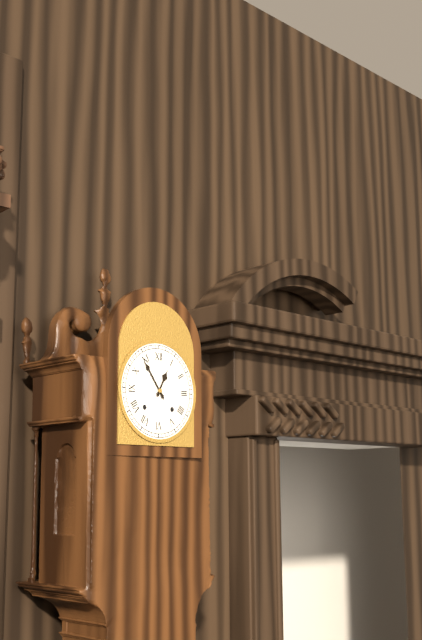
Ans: {"hour": 12, "minute": 54}
